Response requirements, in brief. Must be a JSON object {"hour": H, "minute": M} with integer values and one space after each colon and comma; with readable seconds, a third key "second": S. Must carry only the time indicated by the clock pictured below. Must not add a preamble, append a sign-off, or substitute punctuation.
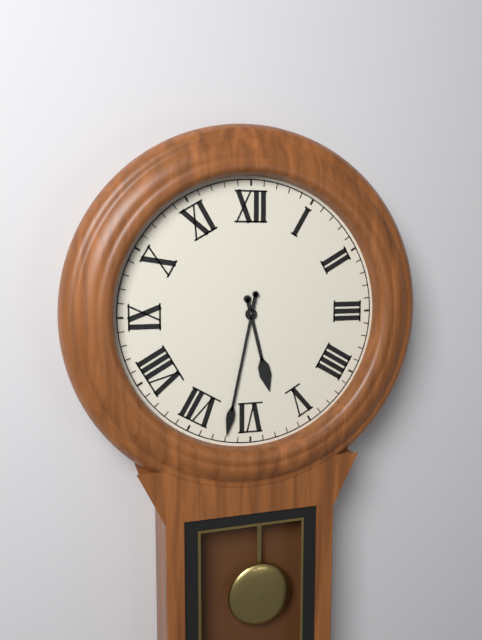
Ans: {"hour": 5, "minute": 32}
